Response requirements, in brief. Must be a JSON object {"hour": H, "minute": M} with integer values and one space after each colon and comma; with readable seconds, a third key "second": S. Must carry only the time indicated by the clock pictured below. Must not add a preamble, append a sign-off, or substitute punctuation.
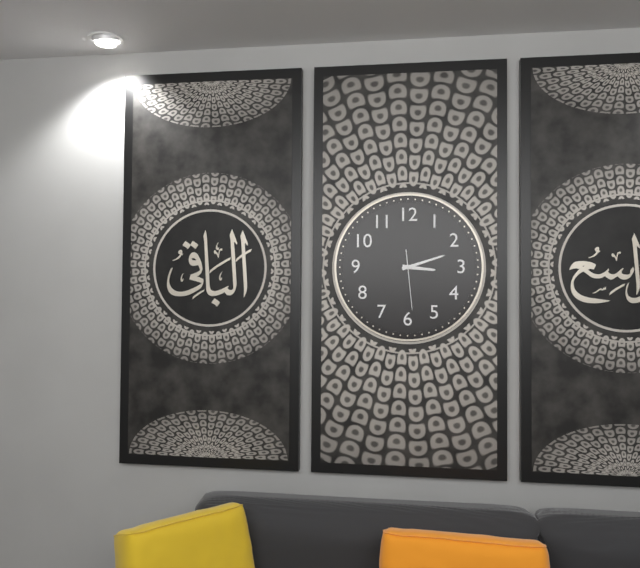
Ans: {"hour": 3, "minute": 12, "second": 29}
